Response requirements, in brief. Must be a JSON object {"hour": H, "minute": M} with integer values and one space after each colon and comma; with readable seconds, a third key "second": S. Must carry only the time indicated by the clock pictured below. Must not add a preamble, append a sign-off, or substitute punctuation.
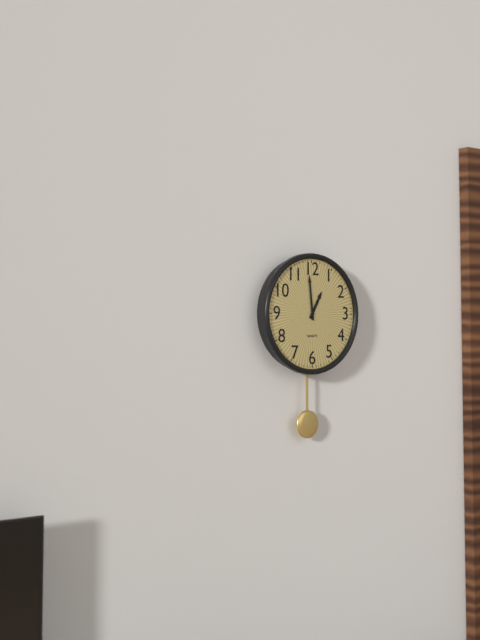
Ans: {"hour": 12, "minute": 59}
